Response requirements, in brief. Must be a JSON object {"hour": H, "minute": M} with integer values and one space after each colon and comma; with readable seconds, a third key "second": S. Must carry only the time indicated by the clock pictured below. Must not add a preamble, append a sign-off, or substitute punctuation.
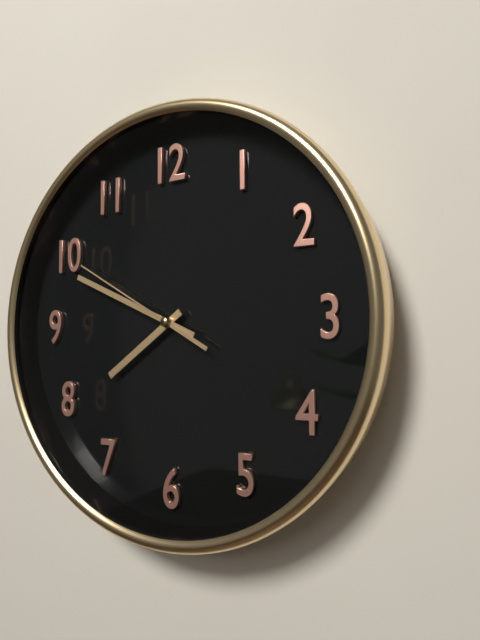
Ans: {"hour": 7, "minute": 49, "second": 50}
